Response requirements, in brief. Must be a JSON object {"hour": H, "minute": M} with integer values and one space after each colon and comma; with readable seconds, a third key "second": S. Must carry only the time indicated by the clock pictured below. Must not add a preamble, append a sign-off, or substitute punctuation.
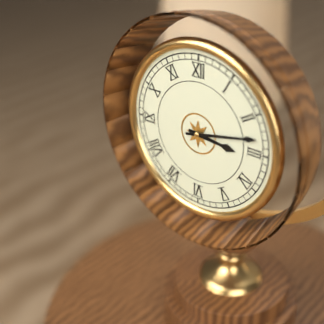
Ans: {"hour": 3, "minute": 13}
